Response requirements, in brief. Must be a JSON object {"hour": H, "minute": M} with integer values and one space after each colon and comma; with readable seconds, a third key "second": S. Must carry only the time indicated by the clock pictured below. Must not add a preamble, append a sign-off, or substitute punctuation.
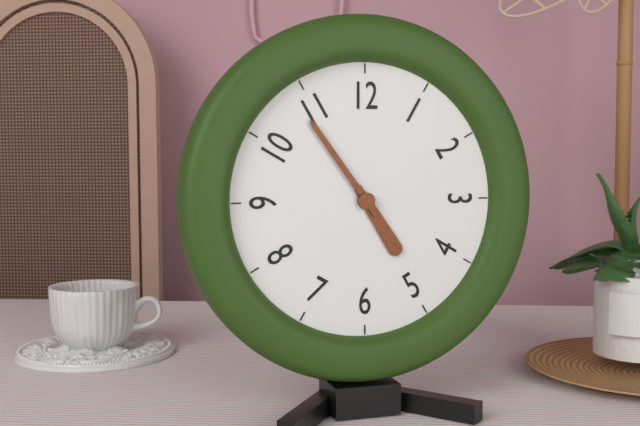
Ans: {"hour": 4, "minute": 54}
